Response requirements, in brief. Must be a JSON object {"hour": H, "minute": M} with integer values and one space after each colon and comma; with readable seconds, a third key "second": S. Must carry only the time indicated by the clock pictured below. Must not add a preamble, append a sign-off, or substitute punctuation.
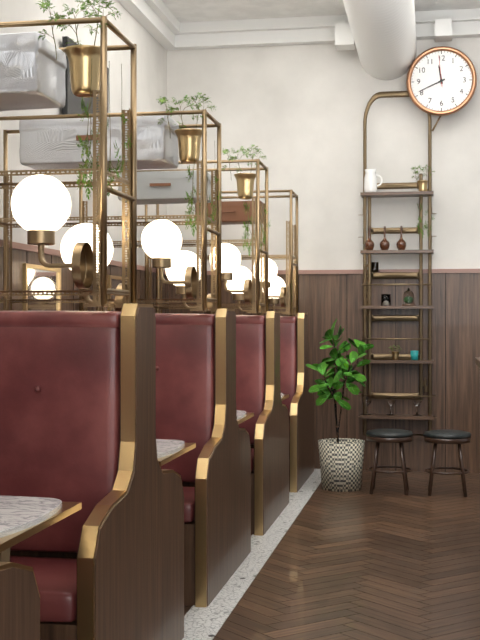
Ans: {"hour": 11, "minute": 41}
